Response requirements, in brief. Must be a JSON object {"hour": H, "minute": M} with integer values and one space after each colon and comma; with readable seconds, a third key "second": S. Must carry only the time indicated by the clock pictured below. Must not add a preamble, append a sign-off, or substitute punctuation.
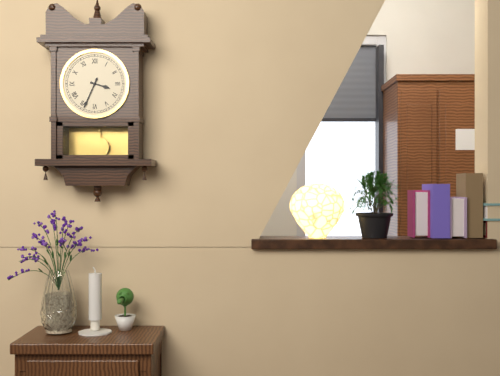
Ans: {"hour": 3, "minute": 34}
